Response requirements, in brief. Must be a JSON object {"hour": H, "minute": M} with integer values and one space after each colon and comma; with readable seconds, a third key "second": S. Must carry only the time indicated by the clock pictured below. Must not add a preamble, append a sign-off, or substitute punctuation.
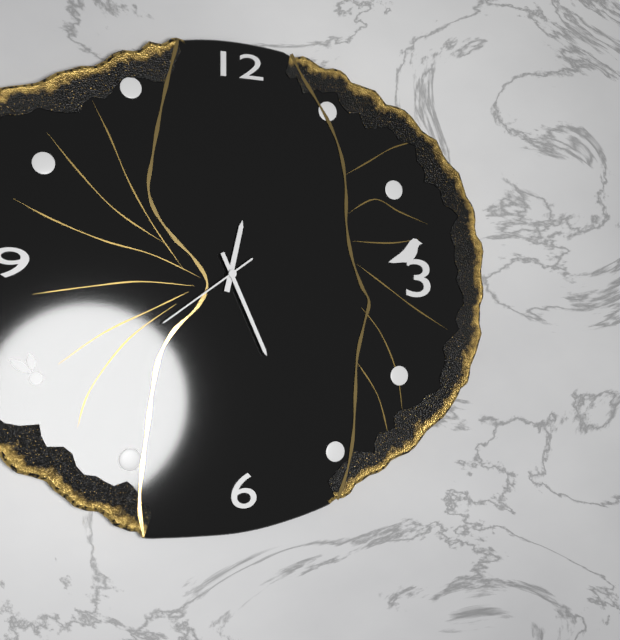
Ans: {"hour": 12, "minute": 26, "second": 39}
